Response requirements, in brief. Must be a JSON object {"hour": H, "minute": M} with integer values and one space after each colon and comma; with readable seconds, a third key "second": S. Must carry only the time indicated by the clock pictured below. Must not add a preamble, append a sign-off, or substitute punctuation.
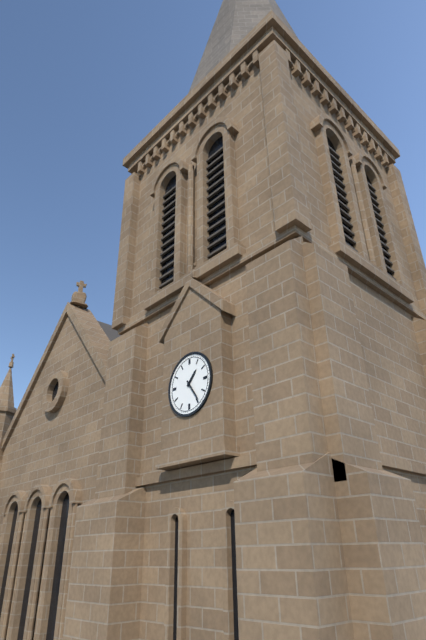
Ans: {"hour": 1, "minute": 24}
